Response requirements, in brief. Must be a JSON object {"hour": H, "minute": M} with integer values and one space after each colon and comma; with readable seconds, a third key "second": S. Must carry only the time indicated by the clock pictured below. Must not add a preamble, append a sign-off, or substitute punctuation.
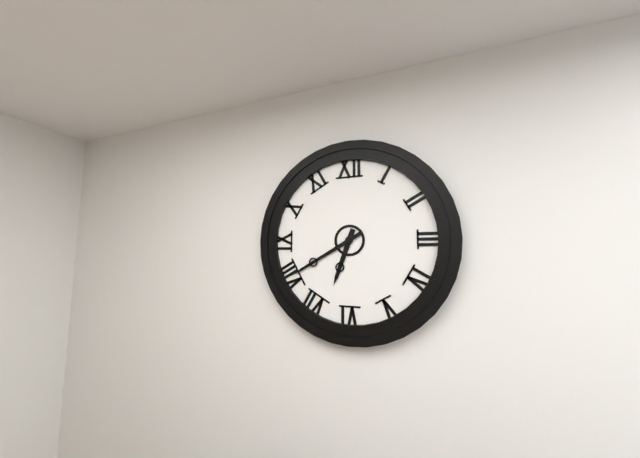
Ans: {"hour": 6, "minute": 40}
